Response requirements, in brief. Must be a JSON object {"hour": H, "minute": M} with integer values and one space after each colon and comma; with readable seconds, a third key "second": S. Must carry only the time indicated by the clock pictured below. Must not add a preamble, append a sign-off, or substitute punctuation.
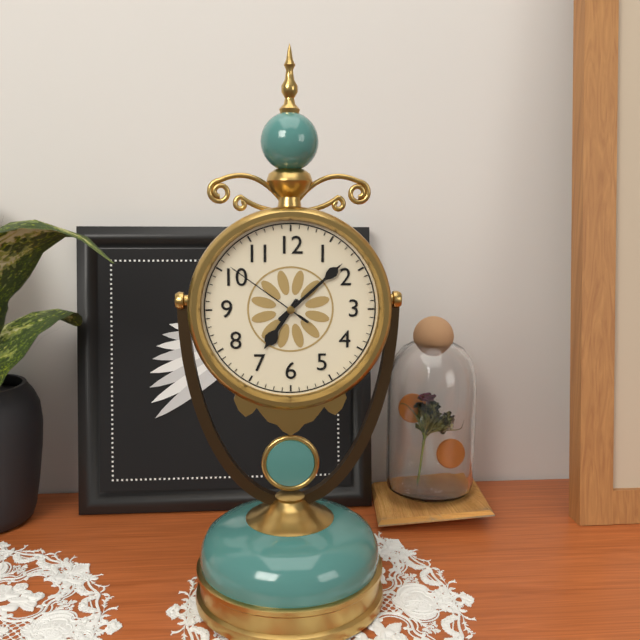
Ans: {"hour": 7, "minute": 8, "second": 51}
